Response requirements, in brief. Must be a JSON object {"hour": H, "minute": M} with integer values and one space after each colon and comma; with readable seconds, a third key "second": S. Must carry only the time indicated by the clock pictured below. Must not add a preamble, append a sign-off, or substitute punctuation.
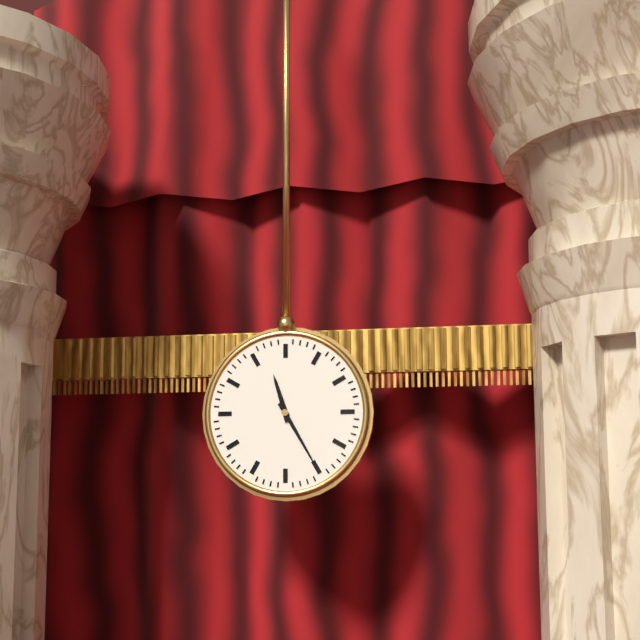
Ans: {"hour": 11, "minute": 25}
